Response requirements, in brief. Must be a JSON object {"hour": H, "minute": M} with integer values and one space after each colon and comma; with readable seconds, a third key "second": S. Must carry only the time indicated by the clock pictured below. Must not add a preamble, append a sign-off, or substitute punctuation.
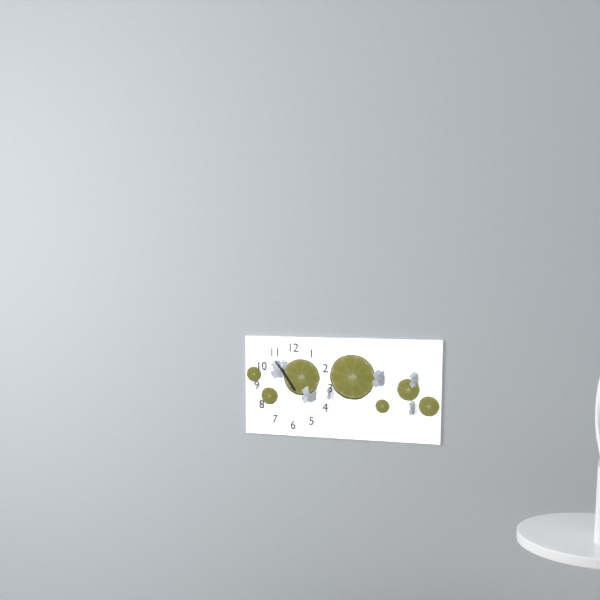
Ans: {"hour": 10, "minute": 54}
